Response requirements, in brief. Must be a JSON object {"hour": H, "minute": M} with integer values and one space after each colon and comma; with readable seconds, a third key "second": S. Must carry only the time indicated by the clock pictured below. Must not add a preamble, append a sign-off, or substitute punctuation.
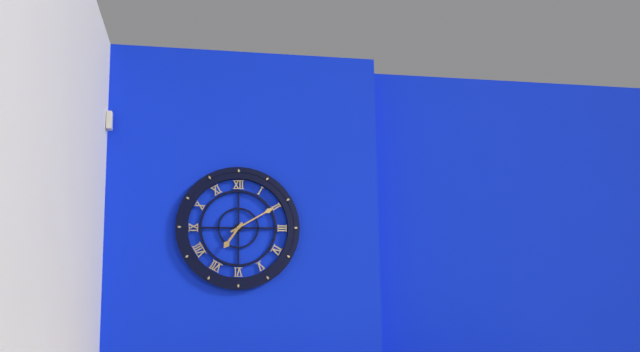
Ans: {"hour": 7, "minute": 10}
